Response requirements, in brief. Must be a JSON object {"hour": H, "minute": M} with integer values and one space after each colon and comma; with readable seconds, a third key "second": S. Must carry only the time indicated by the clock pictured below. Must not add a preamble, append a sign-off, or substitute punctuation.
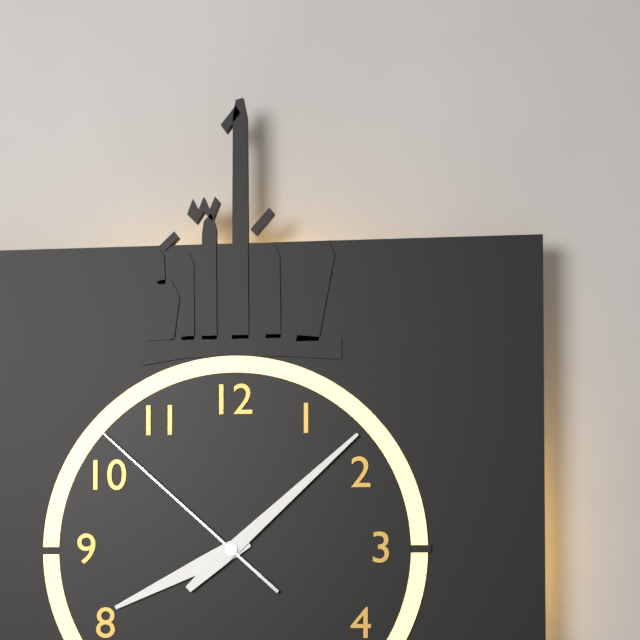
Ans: {"hour": 8, "minute": 8, "second": 52}
